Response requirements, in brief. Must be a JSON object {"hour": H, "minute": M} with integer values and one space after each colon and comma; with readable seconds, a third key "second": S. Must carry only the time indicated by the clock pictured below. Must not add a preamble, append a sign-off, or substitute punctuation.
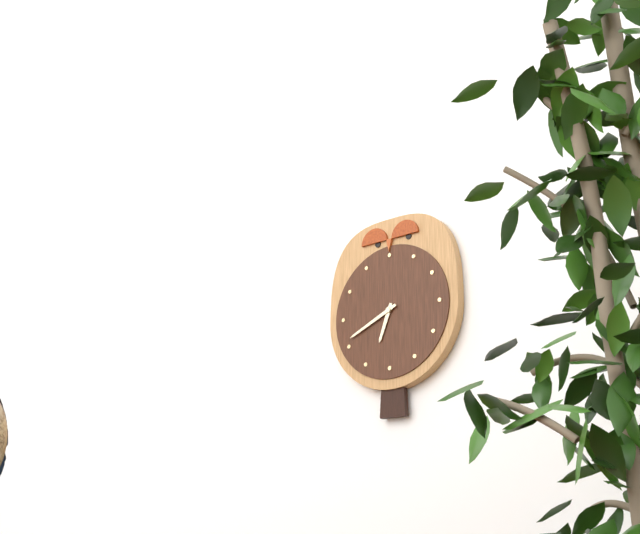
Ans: {"hour": 6, "minute": 41}
